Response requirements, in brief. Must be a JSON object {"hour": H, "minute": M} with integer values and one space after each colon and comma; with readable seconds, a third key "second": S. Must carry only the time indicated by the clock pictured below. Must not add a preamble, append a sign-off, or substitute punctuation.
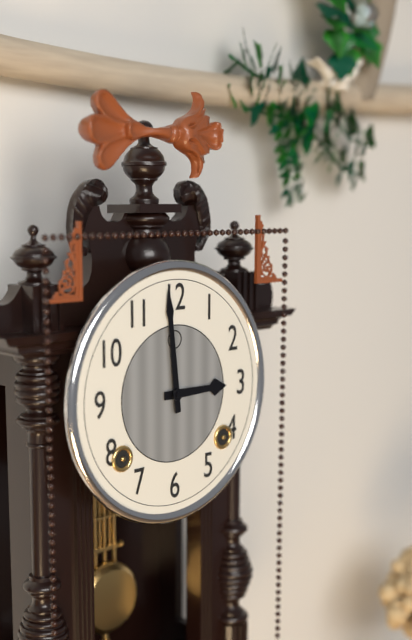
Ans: {"hour": 2, "minute": 59}
